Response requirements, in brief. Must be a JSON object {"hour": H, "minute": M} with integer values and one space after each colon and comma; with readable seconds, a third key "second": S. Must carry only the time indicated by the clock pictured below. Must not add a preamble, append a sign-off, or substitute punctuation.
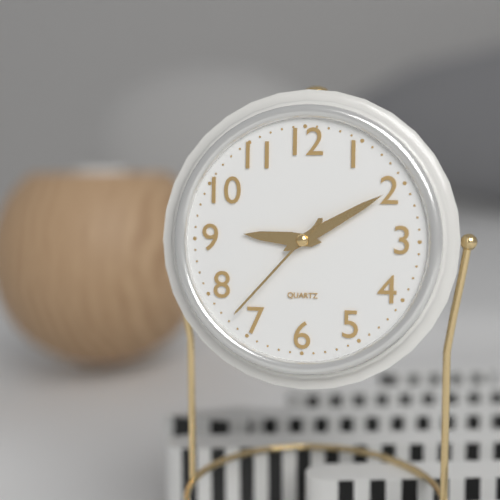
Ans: {"hour": 9, "minute": 10, "second": 37}
